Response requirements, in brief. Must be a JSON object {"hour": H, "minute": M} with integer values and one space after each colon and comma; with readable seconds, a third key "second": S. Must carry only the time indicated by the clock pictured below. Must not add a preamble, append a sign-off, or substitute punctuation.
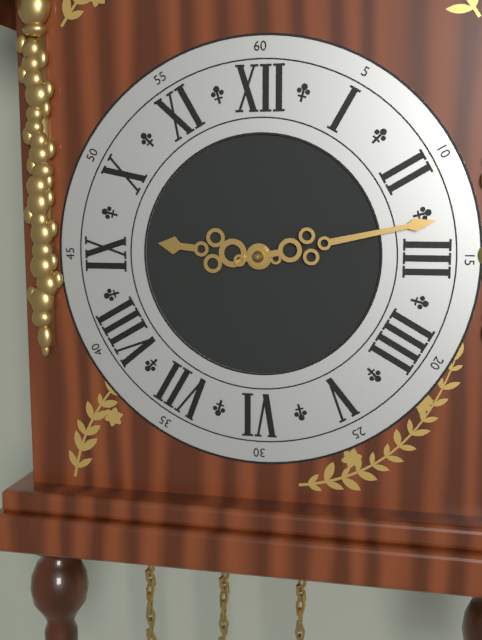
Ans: {"hour": 9, "minute": 13}
